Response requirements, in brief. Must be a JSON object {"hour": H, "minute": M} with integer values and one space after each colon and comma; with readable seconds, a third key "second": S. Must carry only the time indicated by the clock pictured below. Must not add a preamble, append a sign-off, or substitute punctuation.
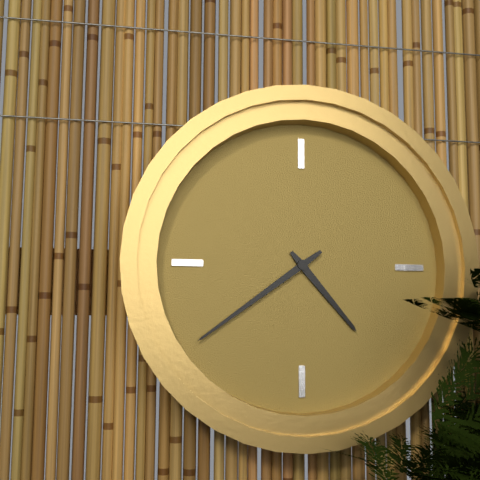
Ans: {"hour": 4, "minute": 39}
